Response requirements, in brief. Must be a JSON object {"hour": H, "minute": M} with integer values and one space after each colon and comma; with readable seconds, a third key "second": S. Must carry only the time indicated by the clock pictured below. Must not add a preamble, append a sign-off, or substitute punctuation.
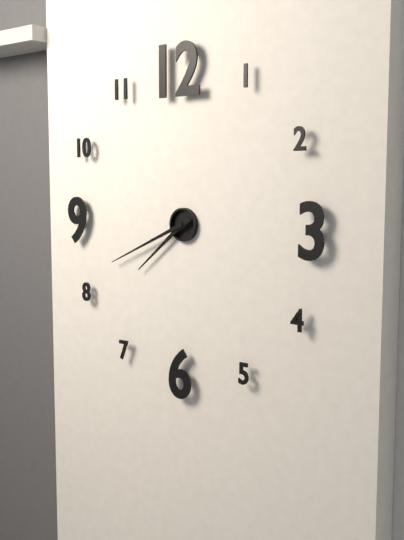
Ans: {"hour": 7, "minute": 41}
